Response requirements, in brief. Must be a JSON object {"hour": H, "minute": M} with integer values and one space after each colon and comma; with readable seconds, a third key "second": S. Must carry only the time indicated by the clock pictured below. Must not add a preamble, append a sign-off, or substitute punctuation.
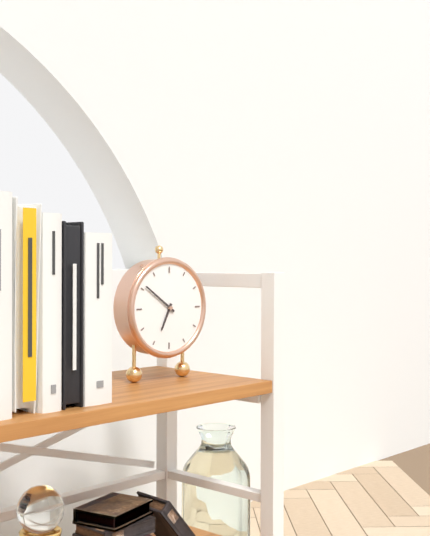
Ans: {"hour": 6, "minute": 51}
